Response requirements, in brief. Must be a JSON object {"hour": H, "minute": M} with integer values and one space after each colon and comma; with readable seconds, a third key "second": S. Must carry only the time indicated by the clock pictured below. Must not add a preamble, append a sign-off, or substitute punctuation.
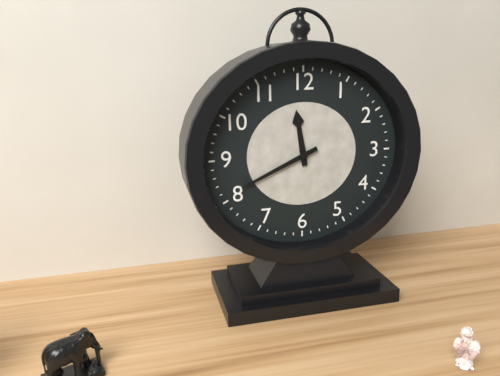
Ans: {"hour": 11, "minute": 41}
